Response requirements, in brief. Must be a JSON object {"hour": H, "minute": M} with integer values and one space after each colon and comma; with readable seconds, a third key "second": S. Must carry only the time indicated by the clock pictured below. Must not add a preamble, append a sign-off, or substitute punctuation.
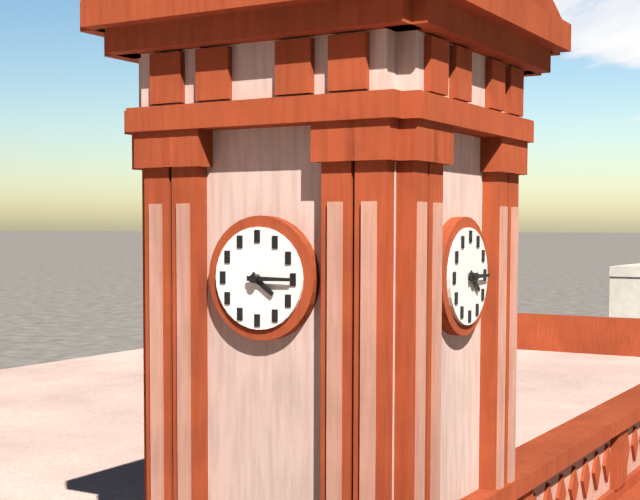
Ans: {"hour": 4, "minute": 15}
